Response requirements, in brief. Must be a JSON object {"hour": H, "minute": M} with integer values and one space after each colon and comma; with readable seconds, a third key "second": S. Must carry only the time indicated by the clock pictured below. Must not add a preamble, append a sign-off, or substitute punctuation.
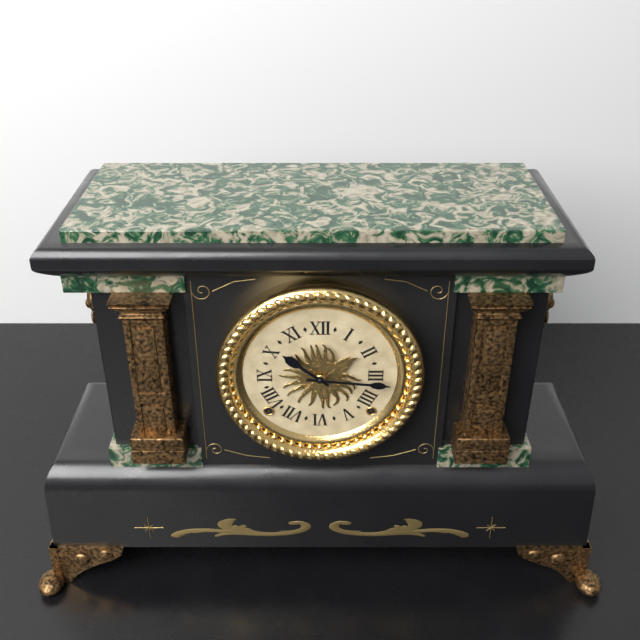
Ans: {"hour": 10, "minute": 16}
